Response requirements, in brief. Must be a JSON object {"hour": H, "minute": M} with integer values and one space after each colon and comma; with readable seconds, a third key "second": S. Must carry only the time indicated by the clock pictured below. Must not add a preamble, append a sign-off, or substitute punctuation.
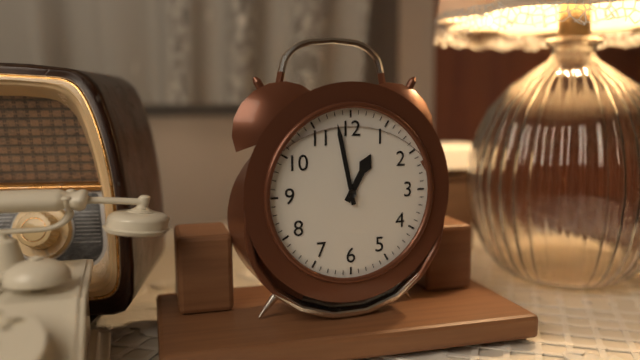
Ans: {"hour": 12, "minute": 58}
